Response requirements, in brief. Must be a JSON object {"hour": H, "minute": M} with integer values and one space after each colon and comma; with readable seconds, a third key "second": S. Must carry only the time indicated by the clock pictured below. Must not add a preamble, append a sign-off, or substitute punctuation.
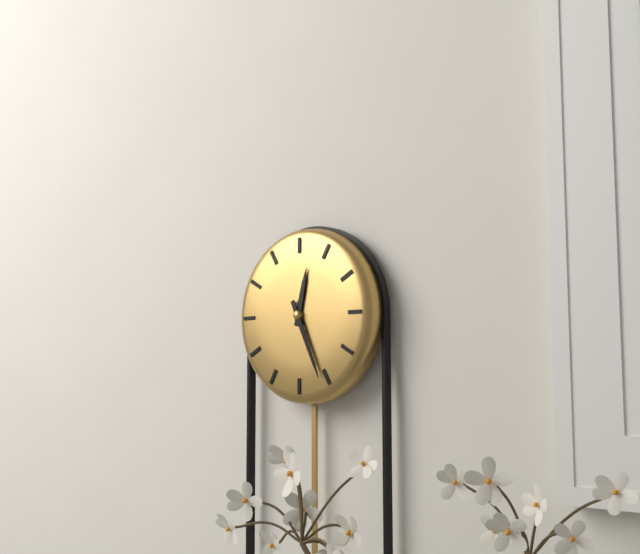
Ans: {"hour": 12, "minute": 26}
